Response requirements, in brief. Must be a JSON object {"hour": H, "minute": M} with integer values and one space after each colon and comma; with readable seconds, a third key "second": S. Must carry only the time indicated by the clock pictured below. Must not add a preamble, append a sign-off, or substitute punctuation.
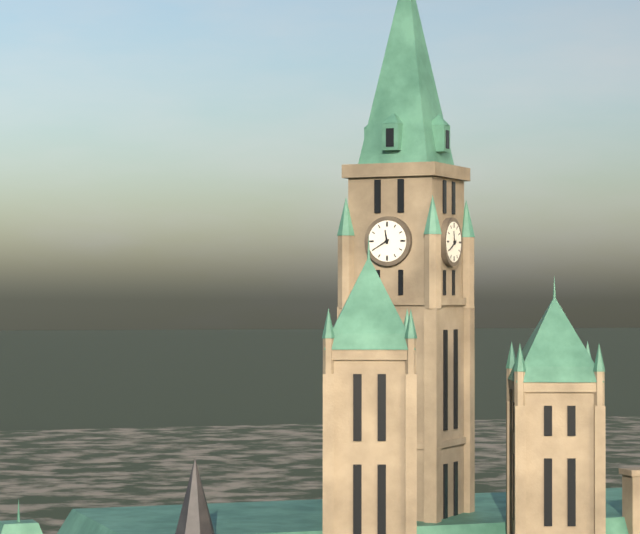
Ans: {"hour": 11, "minute": 40}
